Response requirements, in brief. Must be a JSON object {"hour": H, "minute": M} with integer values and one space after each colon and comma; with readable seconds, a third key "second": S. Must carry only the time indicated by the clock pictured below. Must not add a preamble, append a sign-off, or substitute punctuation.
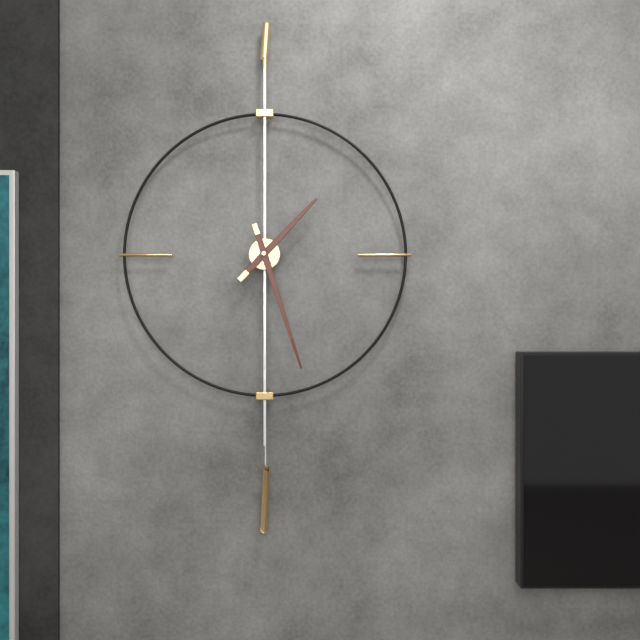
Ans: {"hour": 1, "minute": 27}
